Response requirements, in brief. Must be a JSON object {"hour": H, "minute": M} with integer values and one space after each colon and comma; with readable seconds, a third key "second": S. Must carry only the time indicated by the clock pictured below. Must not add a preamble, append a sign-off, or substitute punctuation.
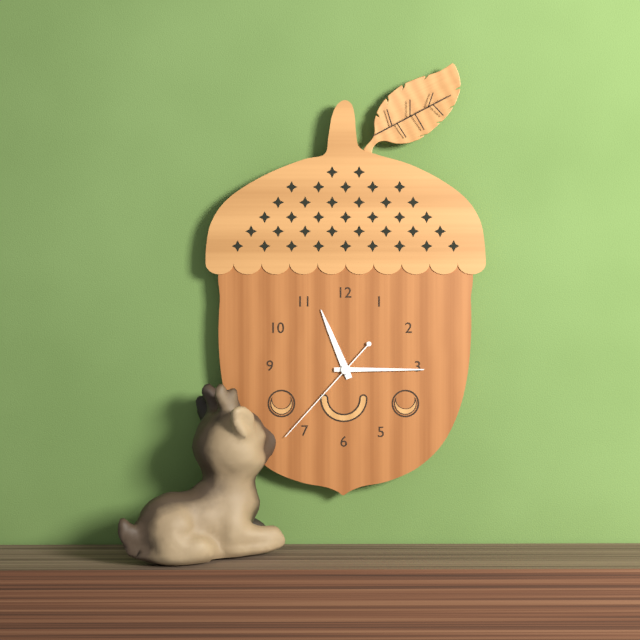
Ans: {"hour": 11, "minute": 15, "second": 37}
